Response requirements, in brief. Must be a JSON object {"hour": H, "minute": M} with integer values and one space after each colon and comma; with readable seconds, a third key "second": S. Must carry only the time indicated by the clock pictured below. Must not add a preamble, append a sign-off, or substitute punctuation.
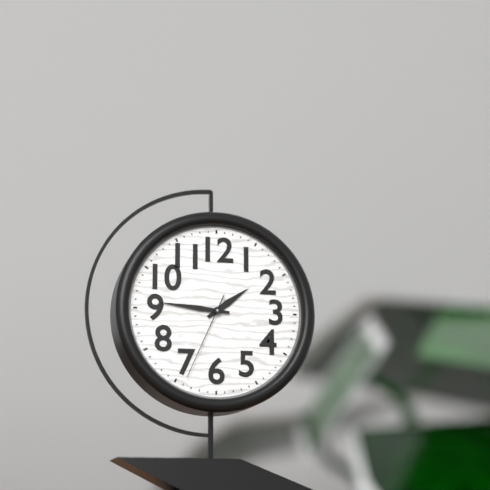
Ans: {"hour": 1, "minute": 46, "second": 34}
